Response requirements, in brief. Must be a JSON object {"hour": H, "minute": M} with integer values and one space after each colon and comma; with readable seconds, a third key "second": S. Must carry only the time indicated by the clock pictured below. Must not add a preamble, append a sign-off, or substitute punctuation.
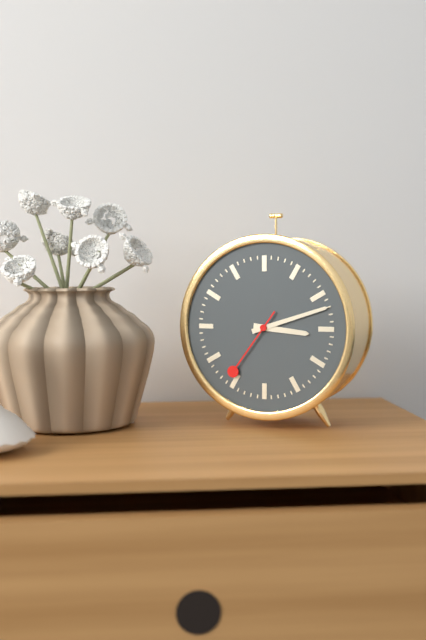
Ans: {"hour": 3, "minute": 12, "second": 36}
